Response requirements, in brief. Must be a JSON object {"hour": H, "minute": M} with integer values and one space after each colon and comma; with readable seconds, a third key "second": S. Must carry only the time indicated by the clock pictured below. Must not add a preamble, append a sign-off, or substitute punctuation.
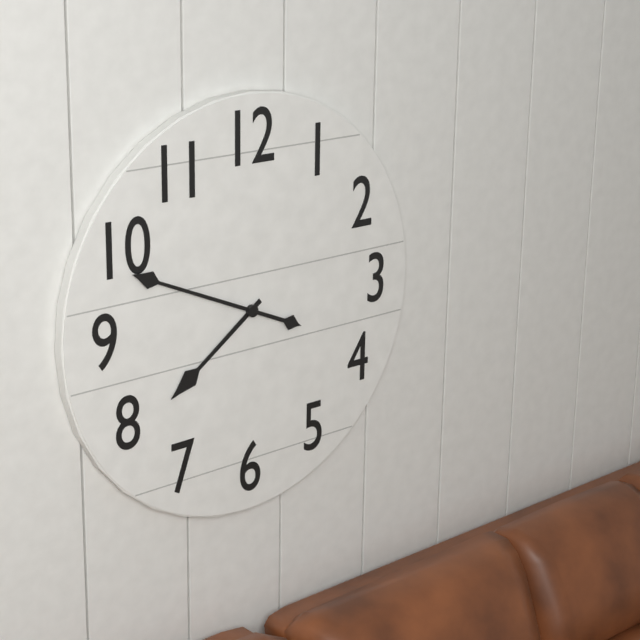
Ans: {"hour": 7, "minute": 49}
